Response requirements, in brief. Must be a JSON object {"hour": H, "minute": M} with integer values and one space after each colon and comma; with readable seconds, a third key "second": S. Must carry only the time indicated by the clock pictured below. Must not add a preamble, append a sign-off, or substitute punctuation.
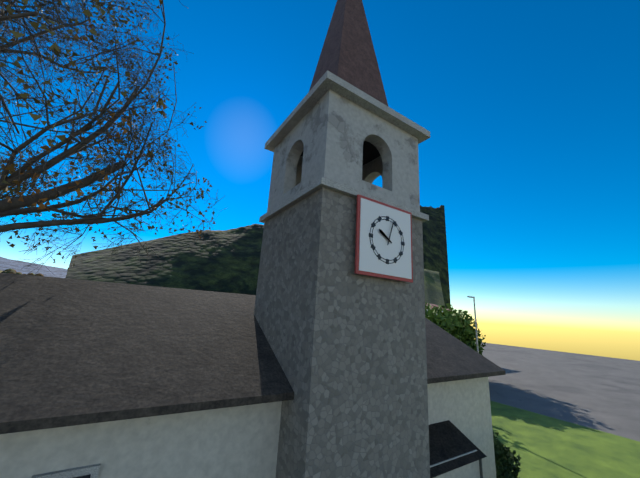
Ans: {"hour": 10, "minute": 3}
